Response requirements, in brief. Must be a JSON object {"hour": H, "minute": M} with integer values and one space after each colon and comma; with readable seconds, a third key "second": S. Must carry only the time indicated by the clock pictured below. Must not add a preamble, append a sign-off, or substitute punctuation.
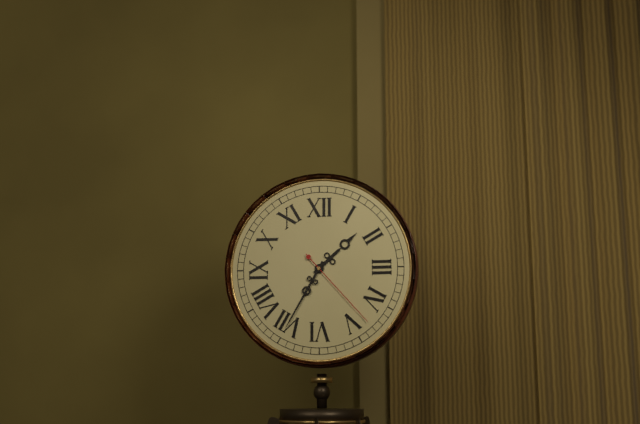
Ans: {"hour": 1, "minute": 35, "second": 23}
